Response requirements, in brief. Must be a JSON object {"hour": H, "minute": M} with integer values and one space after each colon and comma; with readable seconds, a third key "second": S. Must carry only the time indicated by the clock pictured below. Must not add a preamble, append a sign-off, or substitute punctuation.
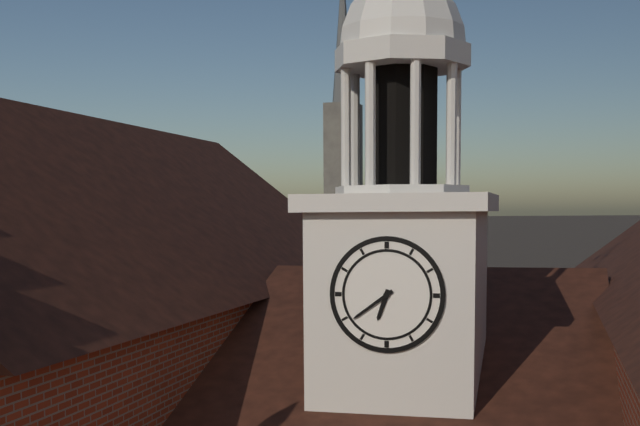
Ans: {"hour": 6, "minute": 39}
